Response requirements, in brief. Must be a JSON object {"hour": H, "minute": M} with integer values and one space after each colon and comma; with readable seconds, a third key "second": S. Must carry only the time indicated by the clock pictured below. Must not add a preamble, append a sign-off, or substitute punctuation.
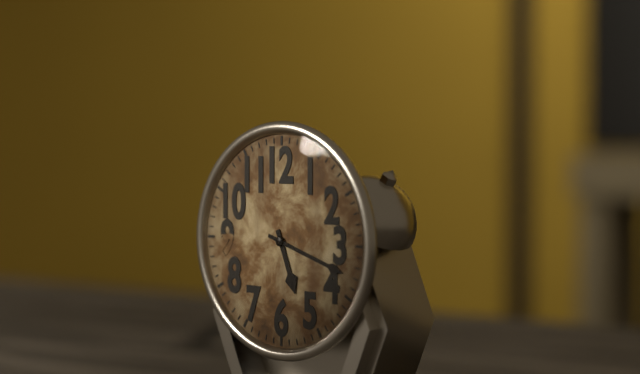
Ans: {"hour": 5, "minute": 18}
